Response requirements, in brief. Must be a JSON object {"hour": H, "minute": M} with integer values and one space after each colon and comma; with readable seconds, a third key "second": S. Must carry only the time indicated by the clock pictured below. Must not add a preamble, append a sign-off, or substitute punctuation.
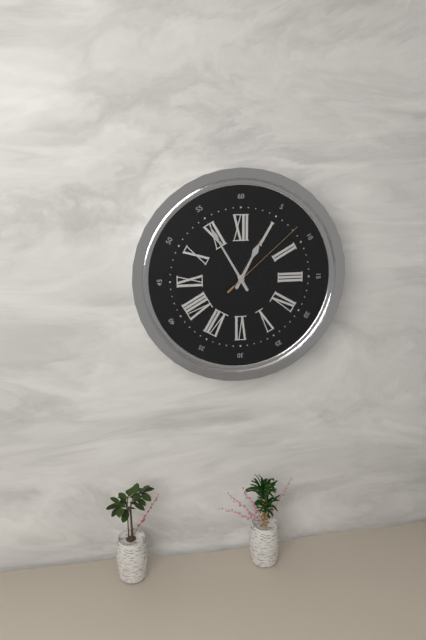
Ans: {"hour": 12, "minute": 55, "second": 8}
